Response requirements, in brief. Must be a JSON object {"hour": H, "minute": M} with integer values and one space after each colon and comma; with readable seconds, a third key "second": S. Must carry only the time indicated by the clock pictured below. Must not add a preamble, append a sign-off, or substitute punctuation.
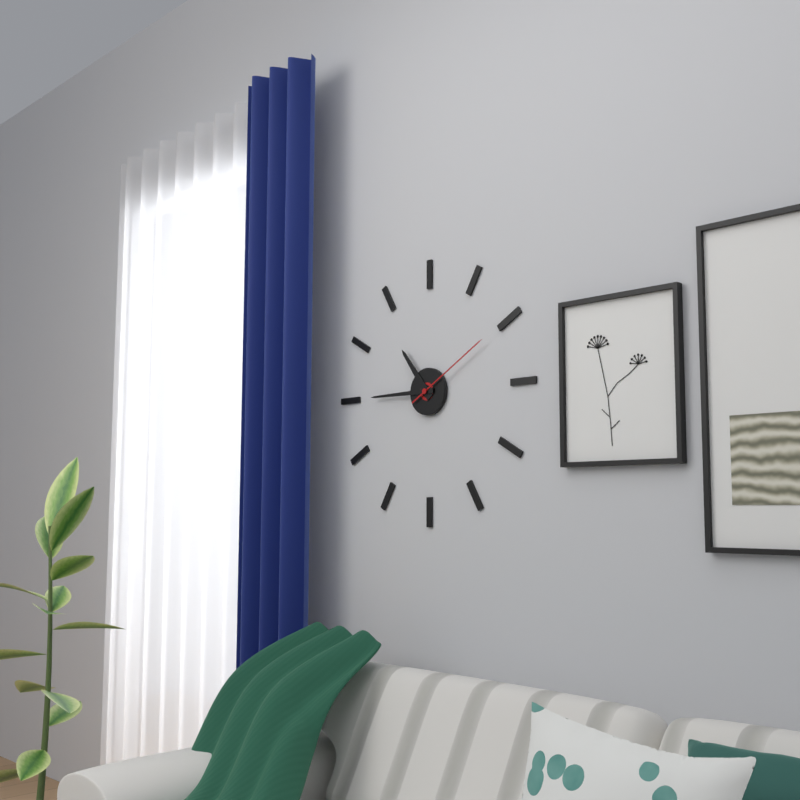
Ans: {"hour": 10, "minute": 45, "second": 10}
